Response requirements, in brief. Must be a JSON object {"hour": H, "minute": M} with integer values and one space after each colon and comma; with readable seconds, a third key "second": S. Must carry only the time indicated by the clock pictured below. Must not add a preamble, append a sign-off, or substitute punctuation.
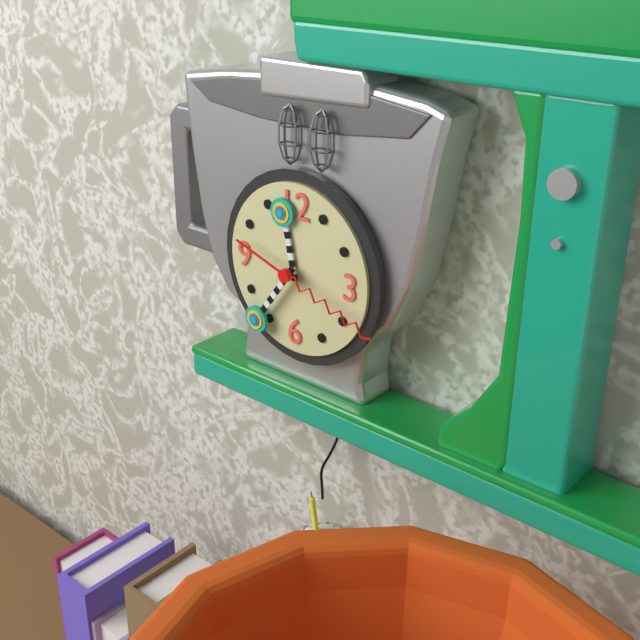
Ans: {"hour": 11, "minute": 36, "second": 18}
